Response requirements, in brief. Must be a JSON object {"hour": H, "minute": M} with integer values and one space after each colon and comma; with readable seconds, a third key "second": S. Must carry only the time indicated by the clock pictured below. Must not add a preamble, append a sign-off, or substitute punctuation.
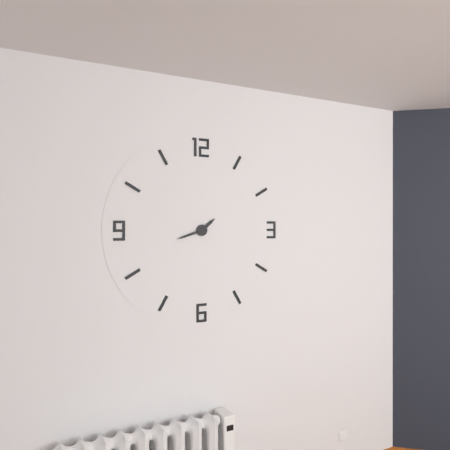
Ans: {"hour": 1, "minute": 42}
